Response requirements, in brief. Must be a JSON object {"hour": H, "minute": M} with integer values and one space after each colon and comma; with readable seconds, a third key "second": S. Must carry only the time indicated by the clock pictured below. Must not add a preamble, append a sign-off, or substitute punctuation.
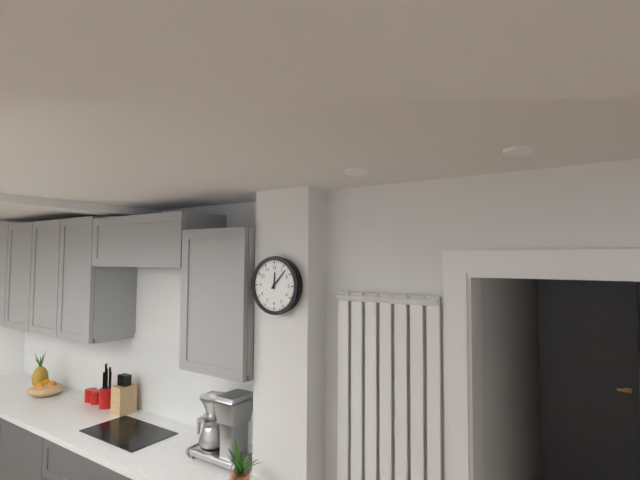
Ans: {"hour": 12, "minute": 7}
